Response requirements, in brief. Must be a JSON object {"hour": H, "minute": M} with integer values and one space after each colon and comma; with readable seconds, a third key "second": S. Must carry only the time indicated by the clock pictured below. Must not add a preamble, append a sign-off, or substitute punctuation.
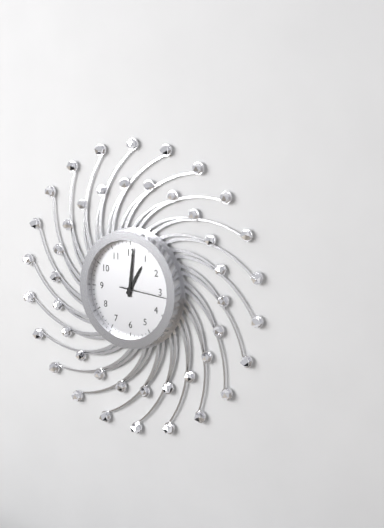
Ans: {"hour": 1, "minute": 1}
